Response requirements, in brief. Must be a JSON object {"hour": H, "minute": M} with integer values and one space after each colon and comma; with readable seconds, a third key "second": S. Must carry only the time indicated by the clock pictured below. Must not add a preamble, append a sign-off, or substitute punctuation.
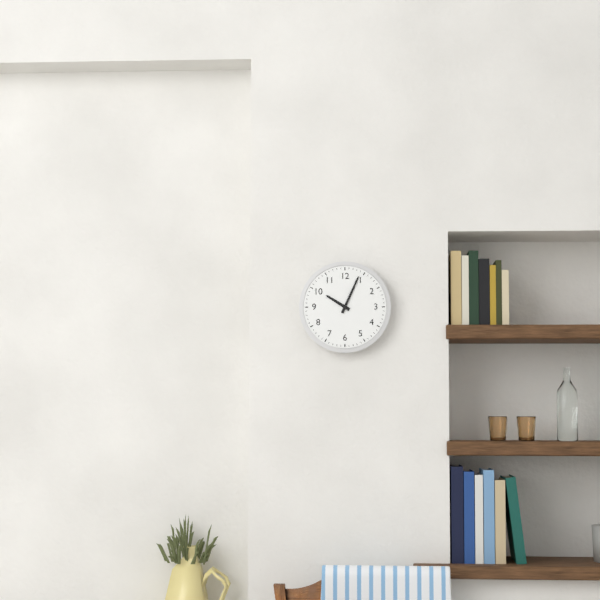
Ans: {"hour": 10, "minute": 4}
